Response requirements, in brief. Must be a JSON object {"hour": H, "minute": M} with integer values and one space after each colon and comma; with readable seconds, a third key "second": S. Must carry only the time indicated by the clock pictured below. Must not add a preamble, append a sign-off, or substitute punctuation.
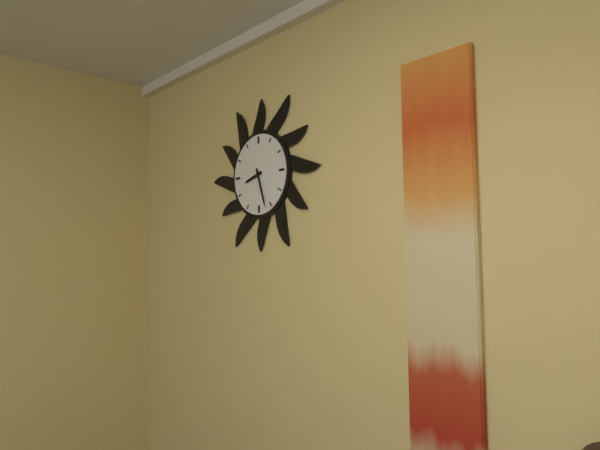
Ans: {"hour": 8, "minute": 27}
